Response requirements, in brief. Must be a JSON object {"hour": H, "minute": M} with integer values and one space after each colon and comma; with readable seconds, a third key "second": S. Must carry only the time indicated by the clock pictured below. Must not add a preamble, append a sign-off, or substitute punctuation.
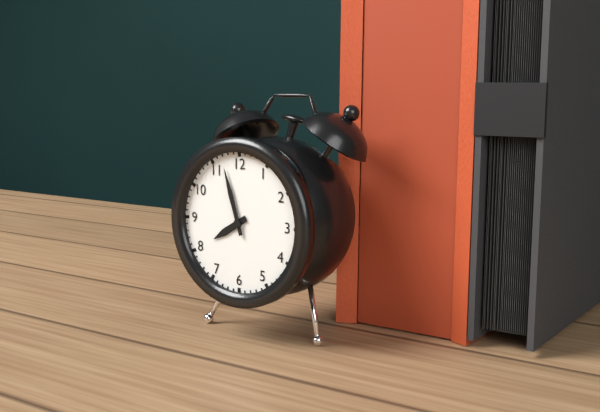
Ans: {"hour": 7, "minute": 57}
